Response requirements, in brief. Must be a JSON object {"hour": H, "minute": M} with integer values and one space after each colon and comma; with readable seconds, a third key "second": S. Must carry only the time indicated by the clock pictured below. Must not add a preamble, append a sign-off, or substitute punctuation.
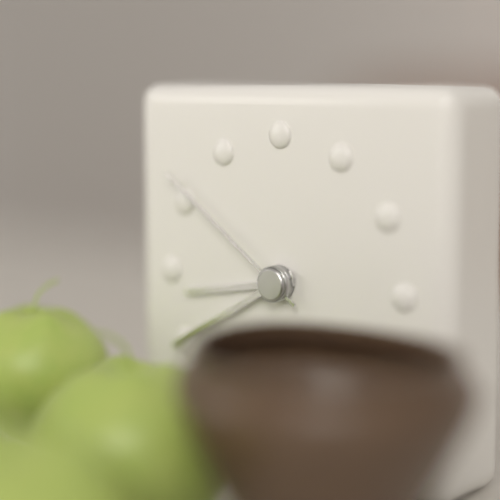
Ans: {"hour": 8, "minute": 40, "second": 51}
